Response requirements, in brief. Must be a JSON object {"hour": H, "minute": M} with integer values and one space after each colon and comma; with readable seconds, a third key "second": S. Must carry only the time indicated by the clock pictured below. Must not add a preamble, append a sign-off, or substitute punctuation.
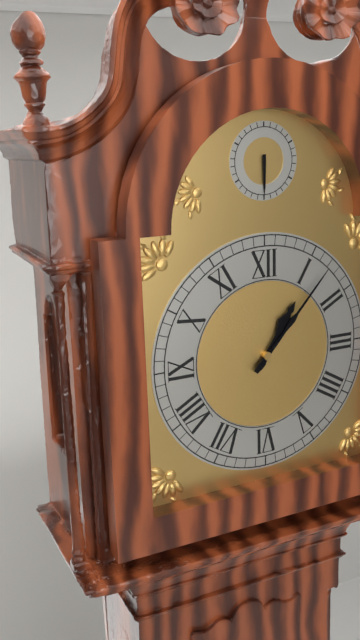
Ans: {"hour": 1, "minute": 7}
